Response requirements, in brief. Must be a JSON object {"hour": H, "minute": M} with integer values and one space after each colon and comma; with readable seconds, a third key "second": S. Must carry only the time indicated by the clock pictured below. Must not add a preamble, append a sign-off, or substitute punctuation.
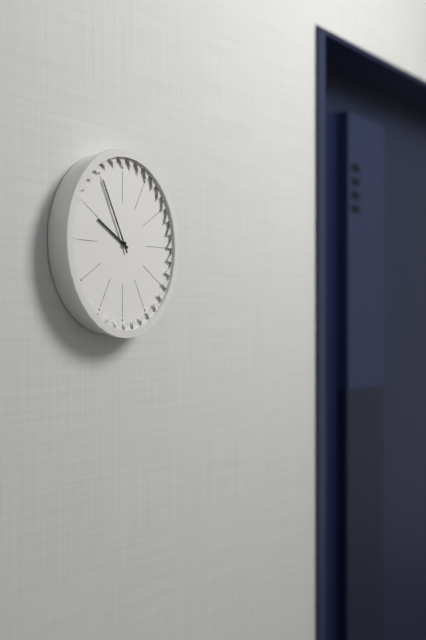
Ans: {"hour": 9, "minute": 55}
